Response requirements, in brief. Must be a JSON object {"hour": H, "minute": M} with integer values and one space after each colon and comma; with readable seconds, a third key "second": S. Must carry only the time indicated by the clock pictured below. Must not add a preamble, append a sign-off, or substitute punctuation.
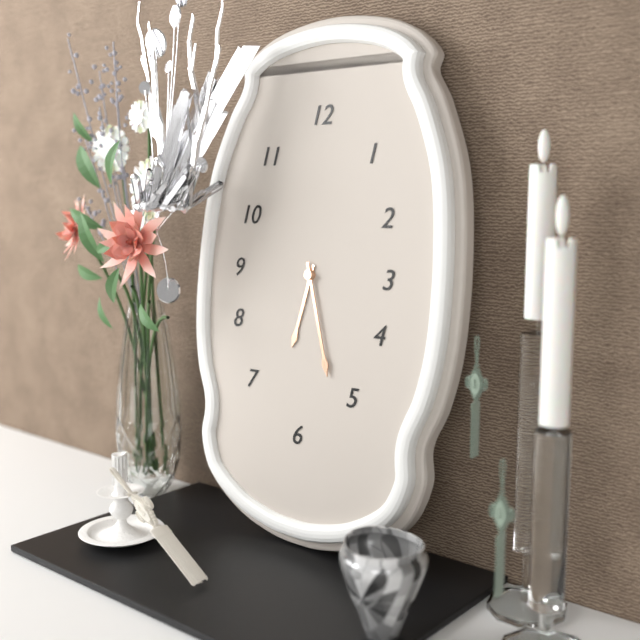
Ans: {"hour": 6, "minute": 27}
